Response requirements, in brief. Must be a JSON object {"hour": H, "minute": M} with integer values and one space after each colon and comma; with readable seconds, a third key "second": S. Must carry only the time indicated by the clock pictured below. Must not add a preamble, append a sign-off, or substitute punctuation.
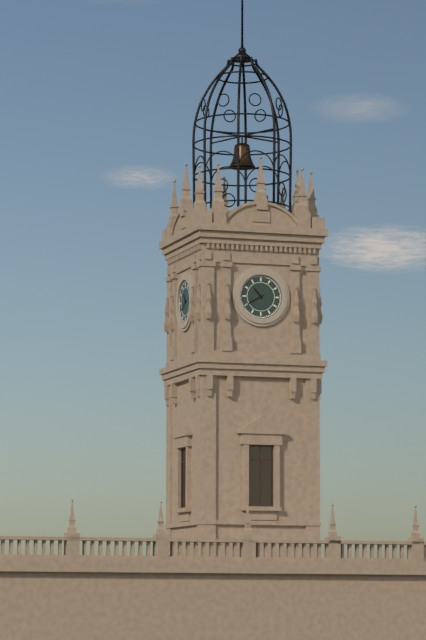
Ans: {"hour": 10, "minute": 40}
